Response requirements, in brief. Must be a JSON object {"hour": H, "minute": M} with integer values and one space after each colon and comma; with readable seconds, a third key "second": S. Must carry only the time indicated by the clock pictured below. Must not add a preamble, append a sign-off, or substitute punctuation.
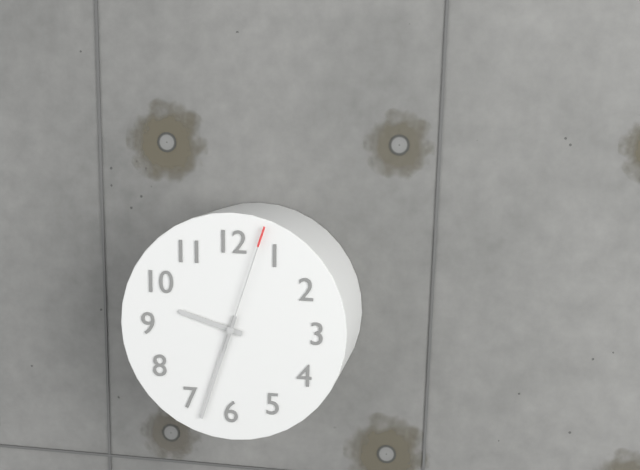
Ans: {"hour": 9, "minute": 33, "second": 3}
